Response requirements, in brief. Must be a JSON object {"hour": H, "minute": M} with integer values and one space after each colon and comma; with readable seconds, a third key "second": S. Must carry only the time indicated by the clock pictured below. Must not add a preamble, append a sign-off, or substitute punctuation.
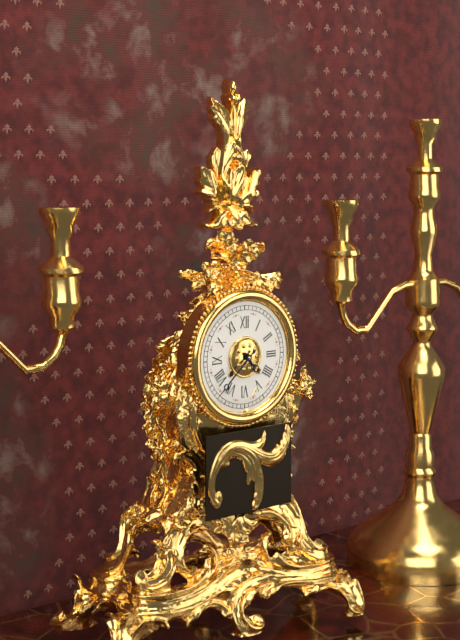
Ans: {"hour": 4, "minute": 38}
